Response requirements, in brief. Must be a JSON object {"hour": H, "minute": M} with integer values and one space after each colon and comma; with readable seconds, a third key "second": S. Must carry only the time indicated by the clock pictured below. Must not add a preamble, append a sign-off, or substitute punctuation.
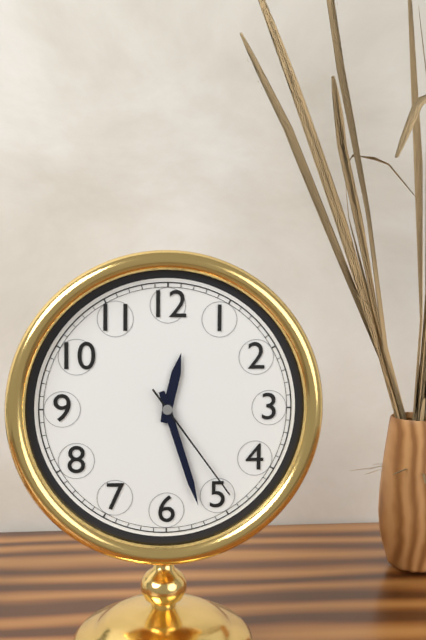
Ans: {"hour": 12, "minute": 27, "second": 24}
